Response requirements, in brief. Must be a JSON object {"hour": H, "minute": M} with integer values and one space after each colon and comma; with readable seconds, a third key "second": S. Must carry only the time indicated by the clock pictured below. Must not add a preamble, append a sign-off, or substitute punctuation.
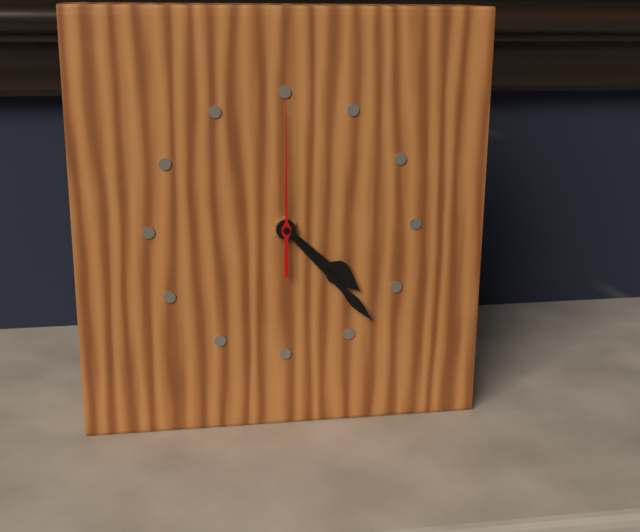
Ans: {"hour": 4, "minute": 23, "second": 0}
